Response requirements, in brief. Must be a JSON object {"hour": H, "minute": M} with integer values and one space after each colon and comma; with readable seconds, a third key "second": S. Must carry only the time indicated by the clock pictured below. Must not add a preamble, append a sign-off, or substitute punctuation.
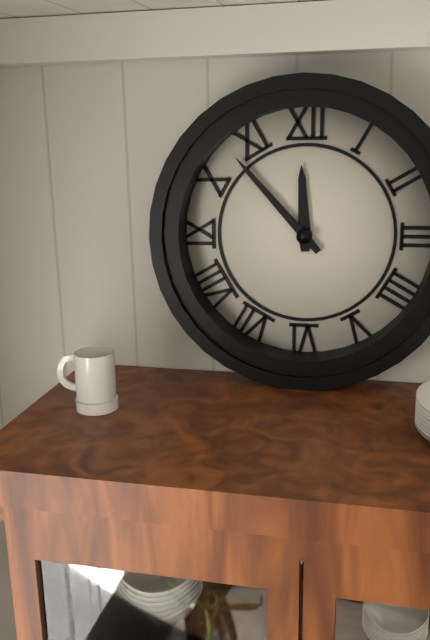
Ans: {"hour": 11, "minute": 53}
